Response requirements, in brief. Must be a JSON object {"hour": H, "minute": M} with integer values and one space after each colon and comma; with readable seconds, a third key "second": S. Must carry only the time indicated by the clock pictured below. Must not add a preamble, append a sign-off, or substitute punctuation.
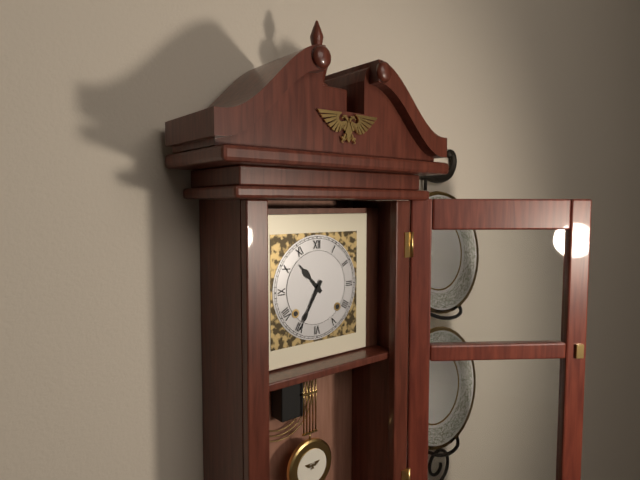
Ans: {"hour": 10, "minute": 35}
